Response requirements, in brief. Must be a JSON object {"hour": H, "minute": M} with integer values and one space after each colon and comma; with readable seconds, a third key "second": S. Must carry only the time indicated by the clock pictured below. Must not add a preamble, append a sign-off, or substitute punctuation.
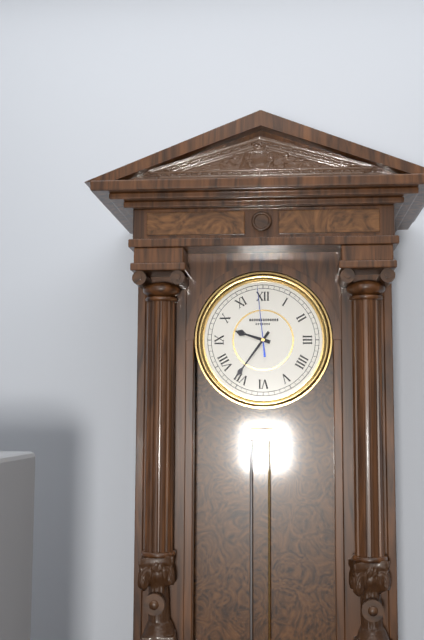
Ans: {"hour": 9, "minute": 36, "second": 59}
